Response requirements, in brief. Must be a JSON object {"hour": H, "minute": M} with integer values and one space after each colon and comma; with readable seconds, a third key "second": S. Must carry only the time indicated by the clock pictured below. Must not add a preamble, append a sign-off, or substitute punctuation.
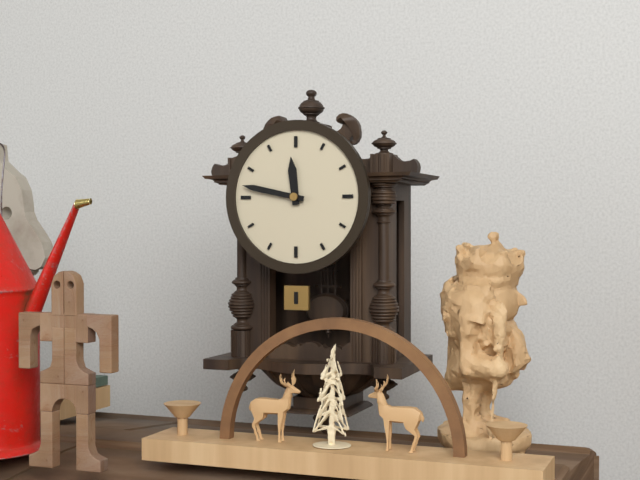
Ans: {"hour": 11, "minute": 47}
